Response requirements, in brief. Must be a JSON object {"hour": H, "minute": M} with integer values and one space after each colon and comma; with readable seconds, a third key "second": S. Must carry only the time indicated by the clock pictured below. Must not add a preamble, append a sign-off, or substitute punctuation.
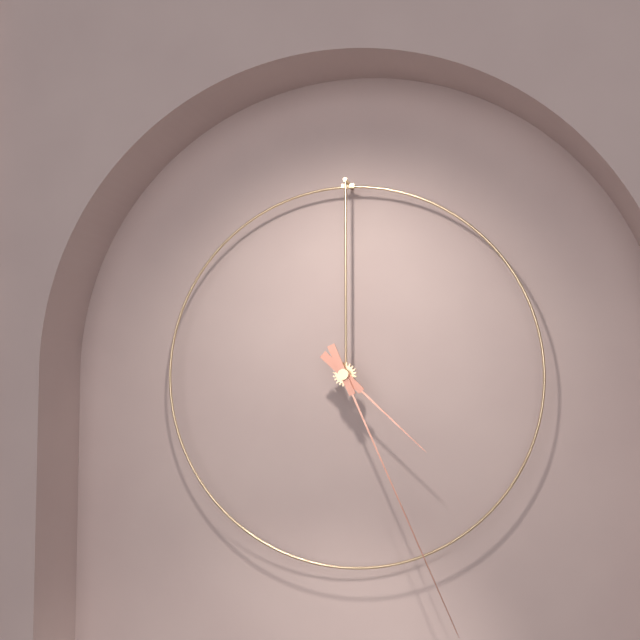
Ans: {"hour": 4, "minute": 26}
